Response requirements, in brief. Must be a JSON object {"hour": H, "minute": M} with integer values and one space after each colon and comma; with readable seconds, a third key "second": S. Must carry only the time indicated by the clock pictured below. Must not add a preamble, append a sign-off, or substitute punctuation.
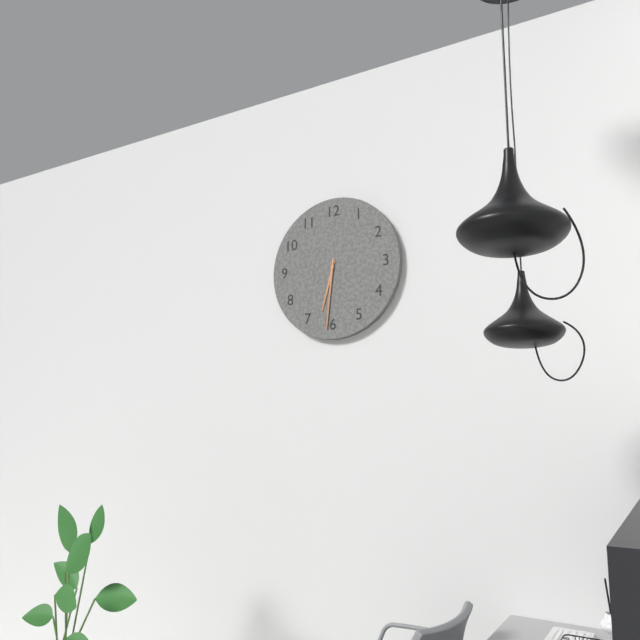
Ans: {"hour": 6, "minute": 31}
